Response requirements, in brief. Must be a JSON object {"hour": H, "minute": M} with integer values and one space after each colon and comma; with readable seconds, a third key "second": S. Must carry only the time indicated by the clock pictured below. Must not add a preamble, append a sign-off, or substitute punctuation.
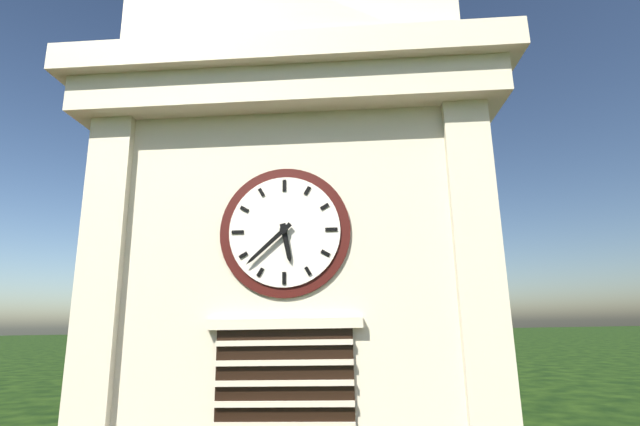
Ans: {"hour": 5, "minute": 38}
